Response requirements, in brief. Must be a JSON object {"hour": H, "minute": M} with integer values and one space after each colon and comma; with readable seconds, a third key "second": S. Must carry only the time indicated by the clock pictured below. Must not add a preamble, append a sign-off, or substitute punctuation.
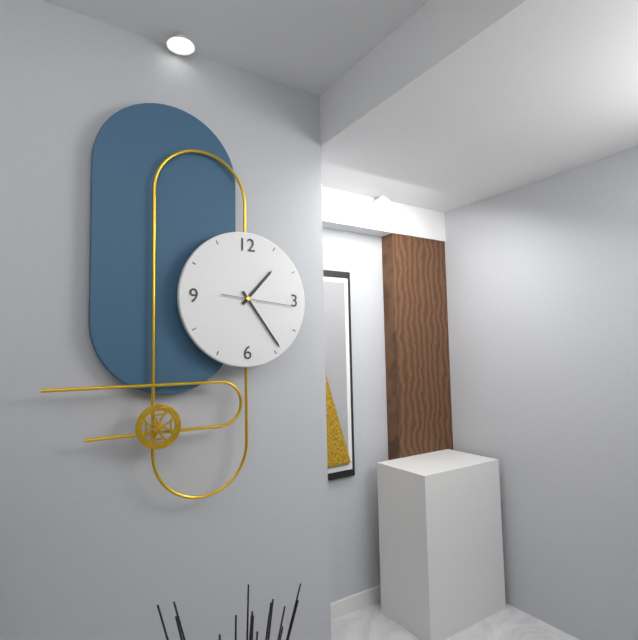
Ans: {"hour": 1, "minute": 24, "second": 16}
